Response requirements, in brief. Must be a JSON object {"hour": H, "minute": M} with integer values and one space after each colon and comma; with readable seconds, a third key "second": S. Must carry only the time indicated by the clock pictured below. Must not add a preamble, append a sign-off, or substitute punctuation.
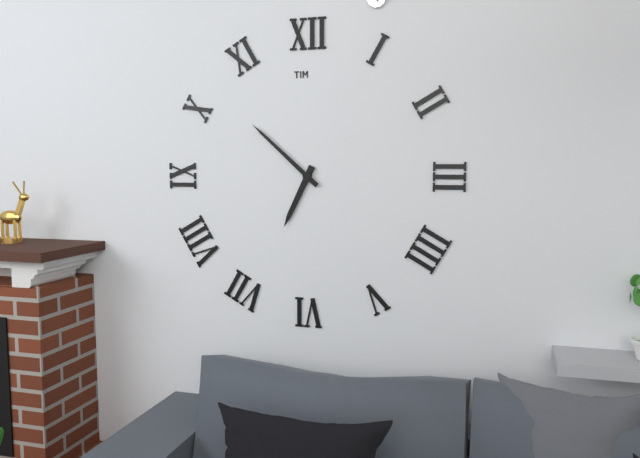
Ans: {"hour": 6, "minute": 52}
